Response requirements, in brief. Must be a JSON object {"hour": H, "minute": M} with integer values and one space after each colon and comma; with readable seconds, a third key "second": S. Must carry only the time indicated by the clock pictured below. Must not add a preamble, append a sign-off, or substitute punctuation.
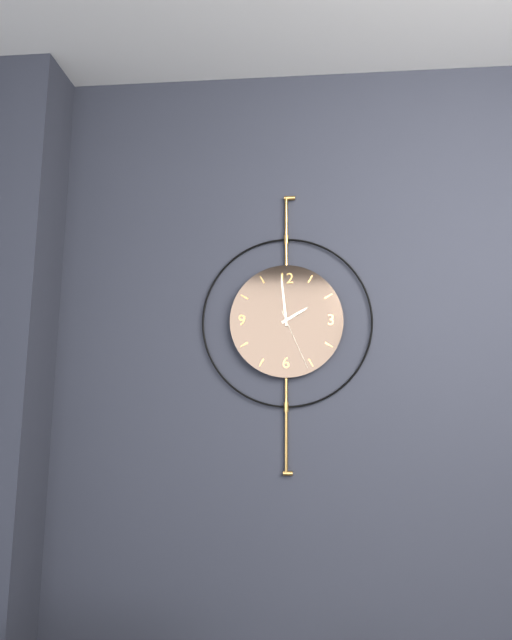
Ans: {"hour": 1, "minute": 59, "second": 26}
